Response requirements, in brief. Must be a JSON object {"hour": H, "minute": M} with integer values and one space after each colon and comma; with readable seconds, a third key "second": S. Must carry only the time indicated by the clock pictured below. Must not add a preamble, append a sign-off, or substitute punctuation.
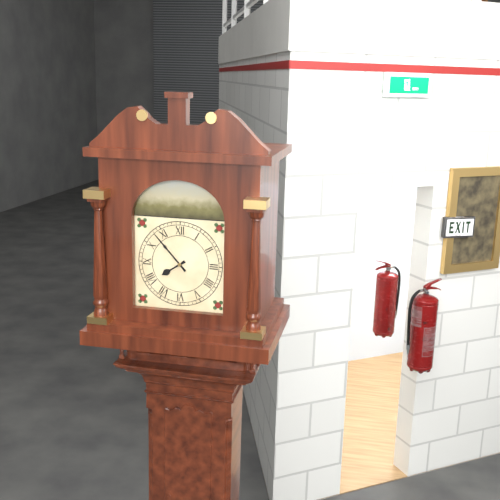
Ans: {"hour": 7, "minute": 53}
